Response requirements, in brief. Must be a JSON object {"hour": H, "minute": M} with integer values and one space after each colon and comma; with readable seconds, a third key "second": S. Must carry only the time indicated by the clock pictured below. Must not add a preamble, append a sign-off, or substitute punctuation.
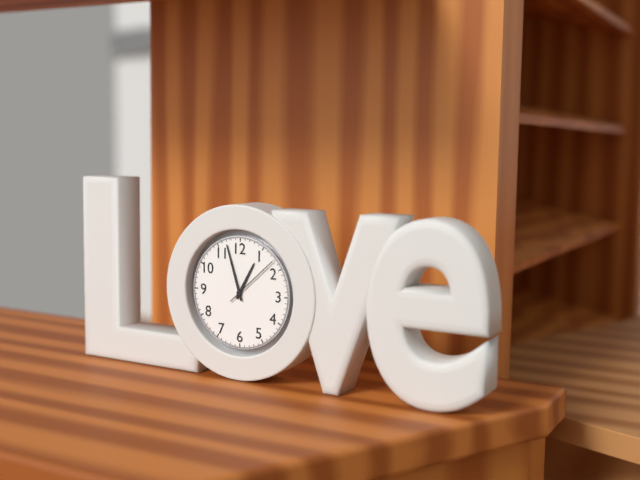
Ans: {"hour": 12, "minute": 57, "second": 8}
